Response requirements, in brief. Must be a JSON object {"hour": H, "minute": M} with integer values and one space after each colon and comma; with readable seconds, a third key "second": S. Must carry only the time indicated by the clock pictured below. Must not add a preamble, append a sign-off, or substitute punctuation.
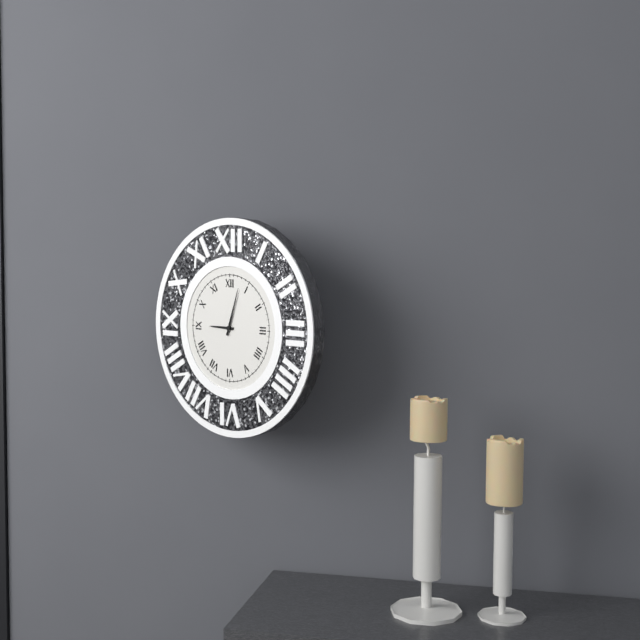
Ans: {"hour": 9, "minute": 3}
